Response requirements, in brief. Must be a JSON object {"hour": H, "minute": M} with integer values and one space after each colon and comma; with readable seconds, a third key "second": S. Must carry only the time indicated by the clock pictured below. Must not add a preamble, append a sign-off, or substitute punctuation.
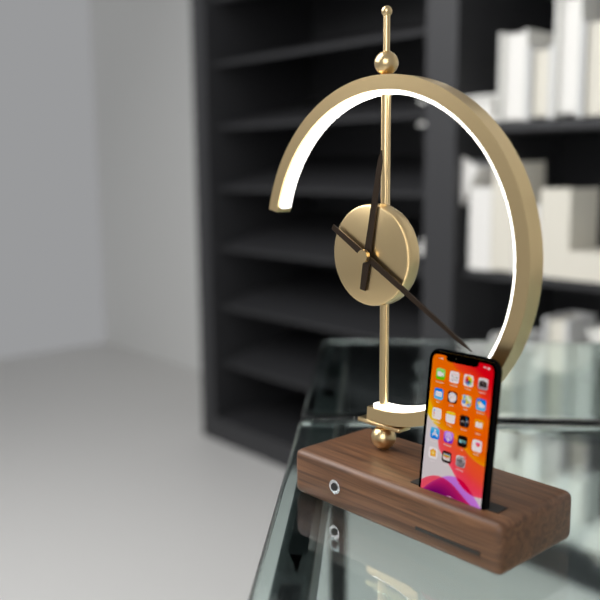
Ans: {"hour": 12, "minute": 20}
